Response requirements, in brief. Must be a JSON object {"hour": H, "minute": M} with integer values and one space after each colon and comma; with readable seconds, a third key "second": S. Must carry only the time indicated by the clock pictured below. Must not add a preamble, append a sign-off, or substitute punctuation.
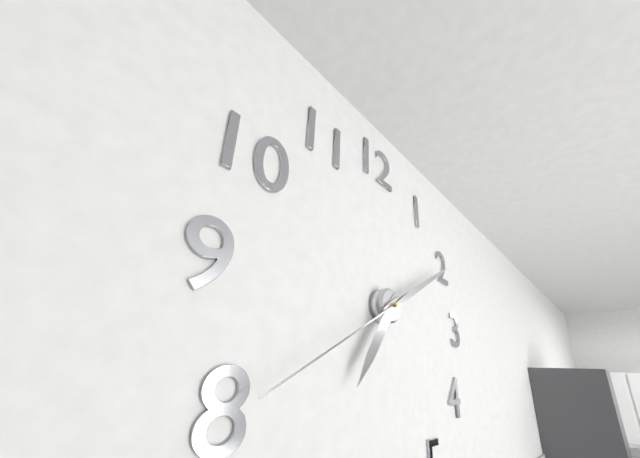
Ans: {"hour": 7, "minute": 10, "second": 40}
